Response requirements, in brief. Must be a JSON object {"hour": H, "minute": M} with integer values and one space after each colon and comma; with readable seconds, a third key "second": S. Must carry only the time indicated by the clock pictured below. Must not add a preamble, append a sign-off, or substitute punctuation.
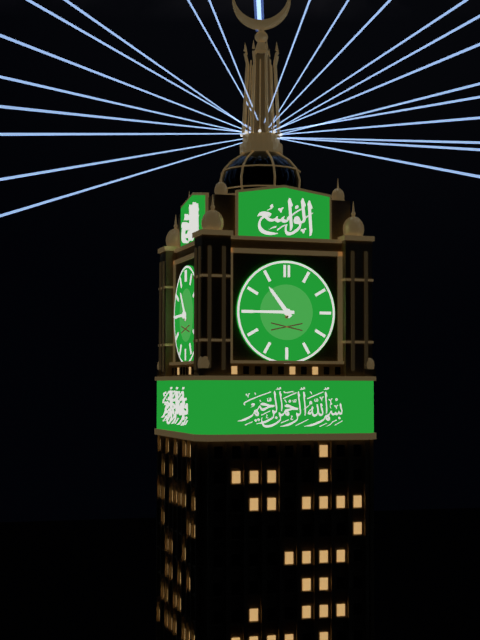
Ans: {"hour": 10, "minute": 45}
